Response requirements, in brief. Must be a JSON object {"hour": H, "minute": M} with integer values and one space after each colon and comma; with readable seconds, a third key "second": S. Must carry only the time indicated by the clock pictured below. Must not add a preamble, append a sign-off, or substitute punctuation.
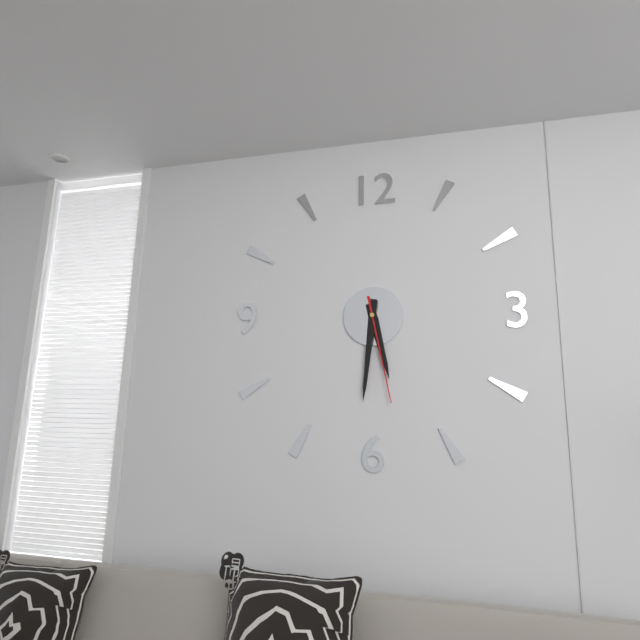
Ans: {"hour": 5, "minute": 31, "second": 28}
